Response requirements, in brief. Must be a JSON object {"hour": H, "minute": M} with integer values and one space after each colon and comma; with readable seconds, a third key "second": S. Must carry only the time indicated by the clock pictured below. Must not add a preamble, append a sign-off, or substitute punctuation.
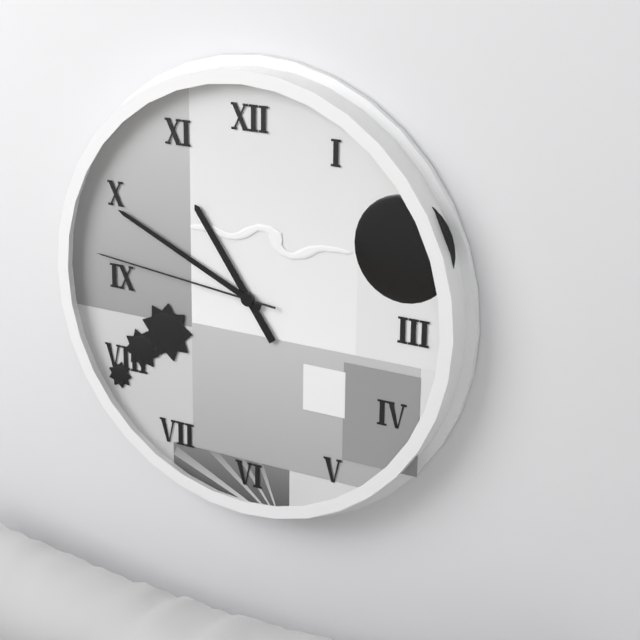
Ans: {"hour": 10, "minute": 49, "second": 46}
